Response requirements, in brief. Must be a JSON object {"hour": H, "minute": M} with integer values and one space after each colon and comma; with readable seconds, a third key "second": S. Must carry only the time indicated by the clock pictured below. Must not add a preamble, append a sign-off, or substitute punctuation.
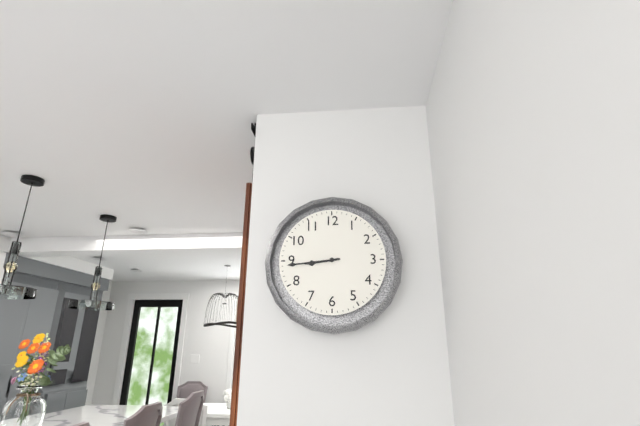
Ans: {"hour": 8, "minute": 44}
